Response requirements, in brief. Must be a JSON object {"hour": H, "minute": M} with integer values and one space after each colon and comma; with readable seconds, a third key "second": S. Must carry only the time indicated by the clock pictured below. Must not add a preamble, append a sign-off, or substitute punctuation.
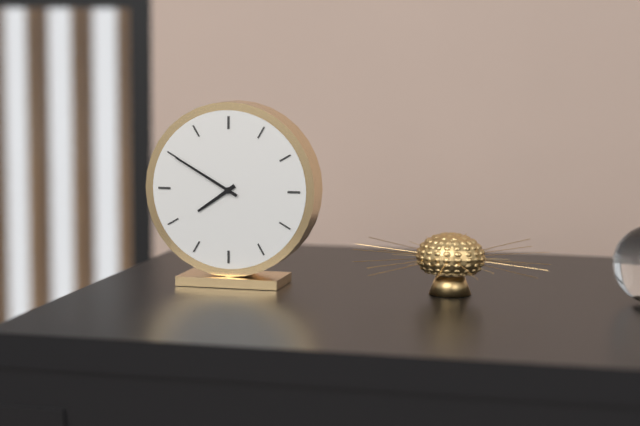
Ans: {"hour": 7, "minute": 50}
